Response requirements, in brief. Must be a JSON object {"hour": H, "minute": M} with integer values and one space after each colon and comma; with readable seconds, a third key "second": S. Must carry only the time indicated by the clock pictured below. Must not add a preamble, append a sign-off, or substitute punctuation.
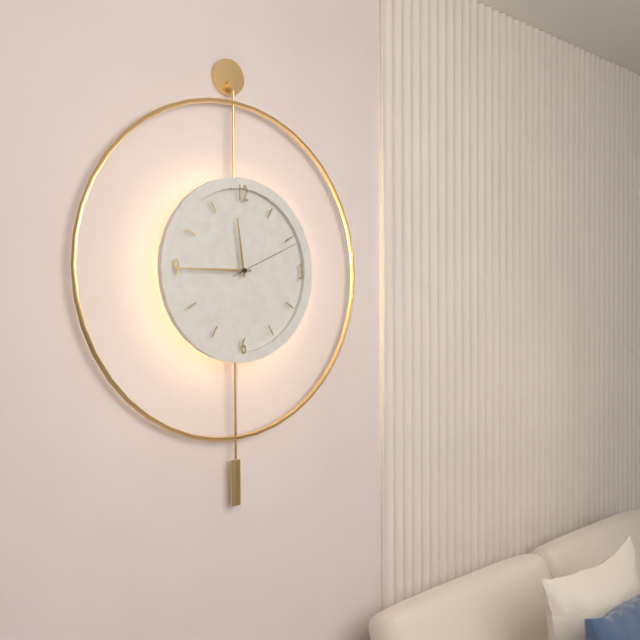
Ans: {"hour": 11, "minute": 45, "second": 11}
